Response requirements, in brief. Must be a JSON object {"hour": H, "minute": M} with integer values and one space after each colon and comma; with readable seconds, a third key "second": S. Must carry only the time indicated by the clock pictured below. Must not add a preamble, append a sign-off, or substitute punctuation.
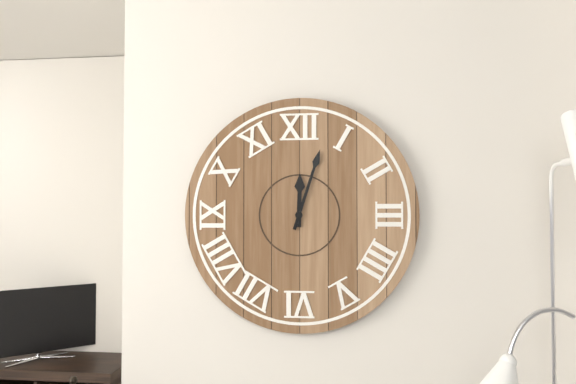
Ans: {"hour": 12, "minute": 3}
